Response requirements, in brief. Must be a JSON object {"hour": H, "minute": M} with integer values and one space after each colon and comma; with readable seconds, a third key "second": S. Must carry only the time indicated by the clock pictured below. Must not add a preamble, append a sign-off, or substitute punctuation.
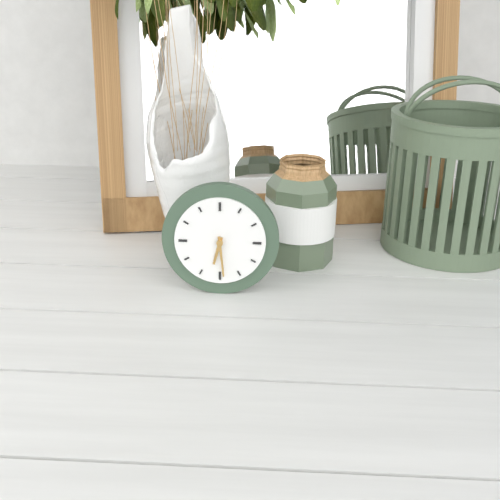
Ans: {"hour": 6, "minute": 29}
